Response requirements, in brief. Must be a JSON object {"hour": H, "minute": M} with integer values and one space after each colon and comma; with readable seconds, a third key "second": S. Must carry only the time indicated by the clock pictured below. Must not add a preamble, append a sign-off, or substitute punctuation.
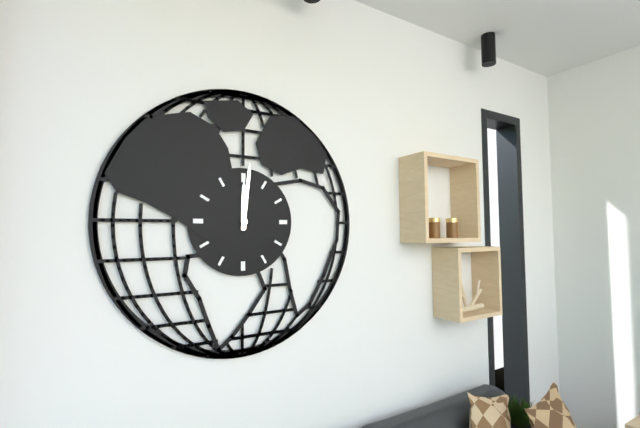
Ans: {"hour": 12, "minute": 1}
